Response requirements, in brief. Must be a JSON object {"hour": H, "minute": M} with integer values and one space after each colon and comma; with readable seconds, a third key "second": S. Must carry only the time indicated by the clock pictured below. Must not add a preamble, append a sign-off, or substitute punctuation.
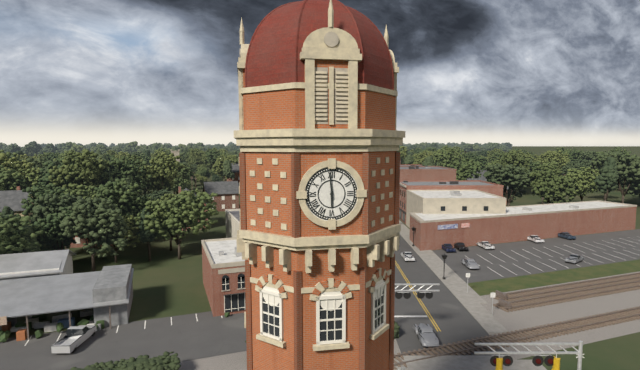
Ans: {"hour": 5, "minute": 59}
